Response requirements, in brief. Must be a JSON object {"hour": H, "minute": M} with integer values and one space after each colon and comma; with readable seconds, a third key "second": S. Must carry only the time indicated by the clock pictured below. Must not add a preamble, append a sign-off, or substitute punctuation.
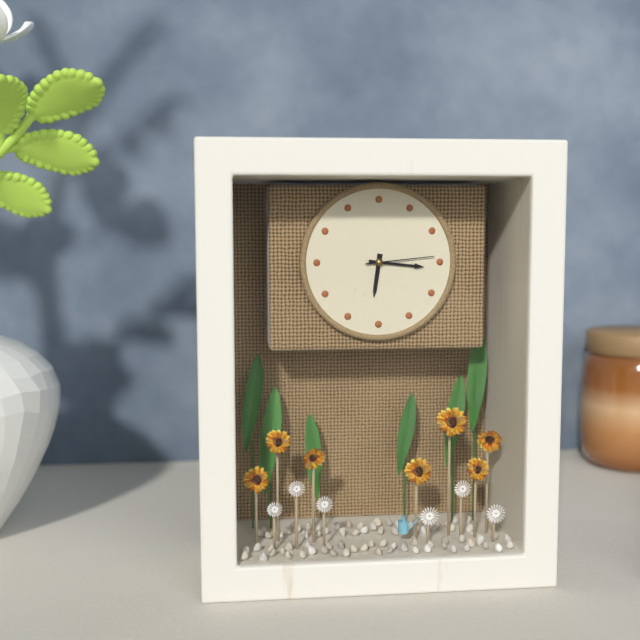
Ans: {"hour": 6, "minute": 16, "second": 14}
